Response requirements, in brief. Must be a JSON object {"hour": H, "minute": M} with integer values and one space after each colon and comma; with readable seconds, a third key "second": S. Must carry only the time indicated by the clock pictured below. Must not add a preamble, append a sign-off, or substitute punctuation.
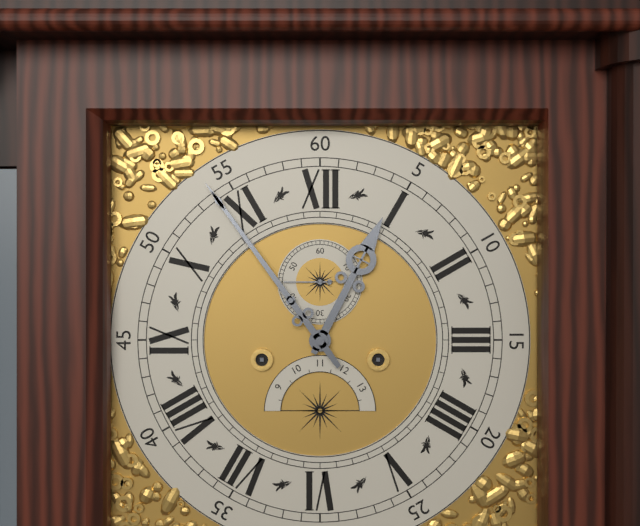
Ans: {"hour": 12, "minute": 54}
